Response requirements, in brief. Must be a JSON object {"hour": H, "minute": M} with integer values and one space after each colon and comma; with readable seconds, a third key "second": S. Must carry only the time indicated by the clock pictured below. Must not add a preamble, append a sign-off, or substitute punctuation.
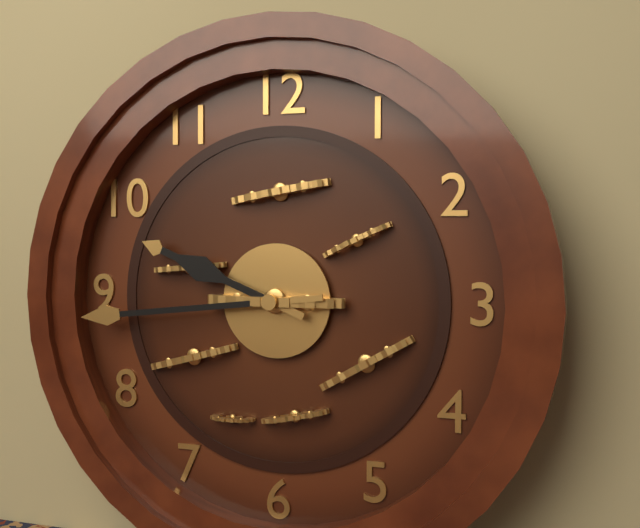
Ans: {"hour": 9, "minute": 44}
